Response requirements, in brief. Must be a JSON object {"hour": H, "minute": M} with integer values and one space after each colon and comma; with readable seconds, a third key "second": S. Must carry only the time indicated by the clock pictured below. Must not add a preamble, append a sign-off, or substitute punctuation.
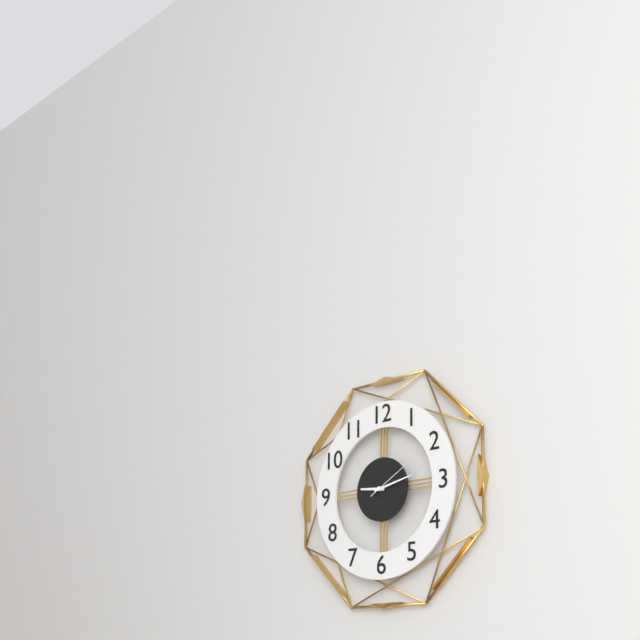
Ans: {"hour": 9, "minute": 13}
